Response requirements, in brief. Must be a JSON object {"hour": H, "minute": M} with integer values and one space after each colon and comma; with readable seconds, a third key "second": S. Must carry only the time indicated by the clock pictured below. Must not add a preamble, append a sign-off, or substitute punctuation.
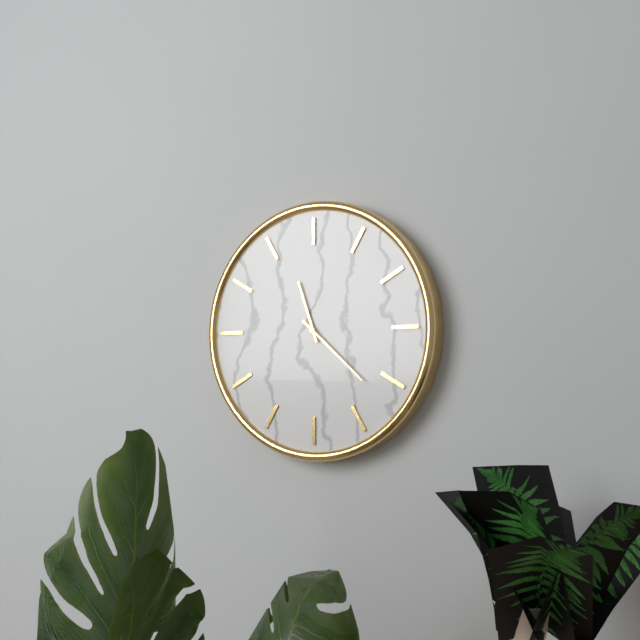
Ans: {"hour": 11, "minute": 22}
